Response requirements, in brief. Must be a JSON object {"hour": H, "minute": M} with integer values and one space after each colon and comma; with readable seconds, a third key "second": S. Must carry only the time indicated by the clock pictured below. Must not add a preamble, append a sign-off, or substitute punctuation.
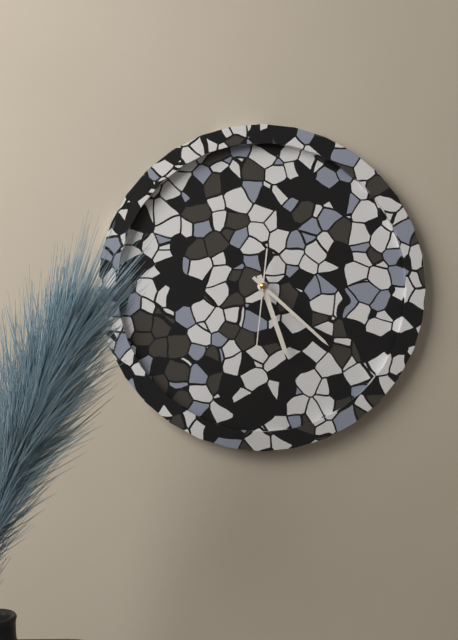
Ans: {"hour": 5, "minute": 22, "second": 31}
